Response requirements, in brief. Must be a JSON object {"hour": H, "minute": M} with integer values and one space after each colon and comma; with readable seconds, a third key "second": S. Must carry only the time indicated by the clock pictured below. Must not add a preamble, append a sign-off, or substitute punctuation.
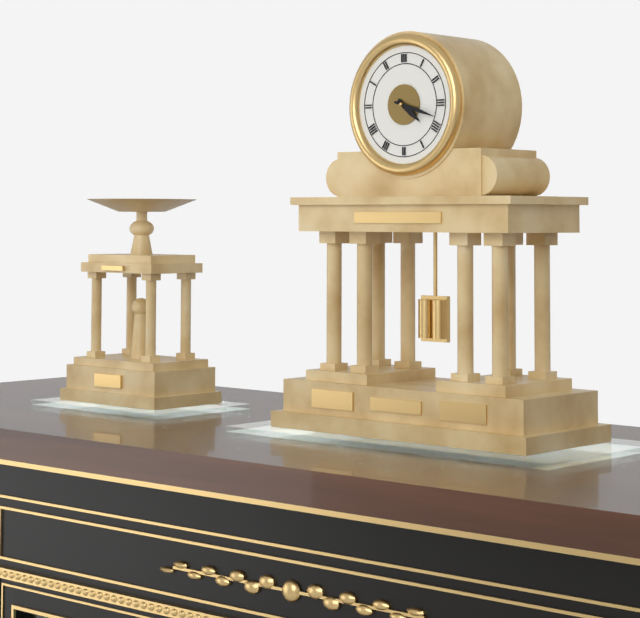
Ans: {"hour": 4, "minute": 18}
